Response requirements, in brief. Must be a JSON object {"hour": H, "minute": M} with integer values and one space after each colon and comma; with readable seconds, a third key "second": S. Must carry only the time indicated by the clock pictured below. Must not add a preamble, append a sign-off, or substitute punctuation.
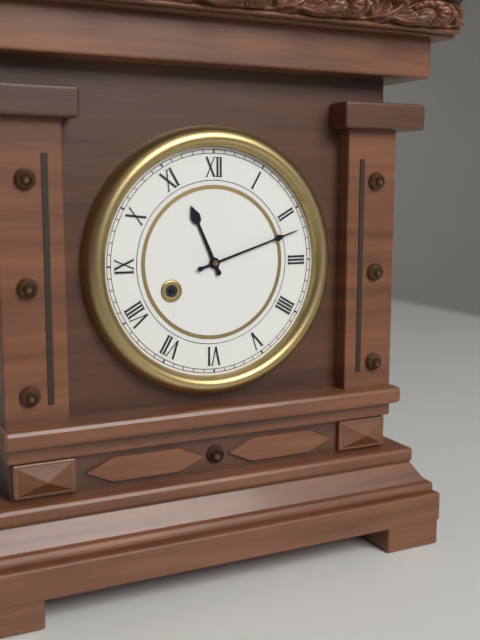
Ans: {"hour": 11, "minute": 12}
